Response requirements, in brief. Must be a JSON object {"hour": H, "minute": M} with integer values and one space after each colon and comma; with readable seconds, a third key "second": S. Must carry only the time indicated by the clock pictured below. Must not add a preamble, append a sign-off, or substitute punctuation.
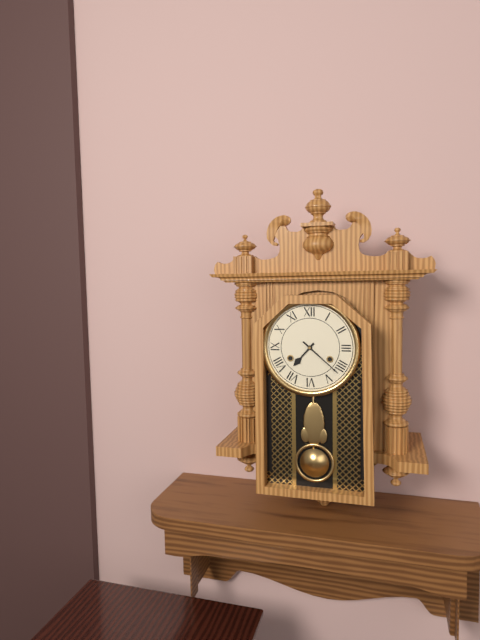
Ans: {"hour": 7, "minute": 22}
